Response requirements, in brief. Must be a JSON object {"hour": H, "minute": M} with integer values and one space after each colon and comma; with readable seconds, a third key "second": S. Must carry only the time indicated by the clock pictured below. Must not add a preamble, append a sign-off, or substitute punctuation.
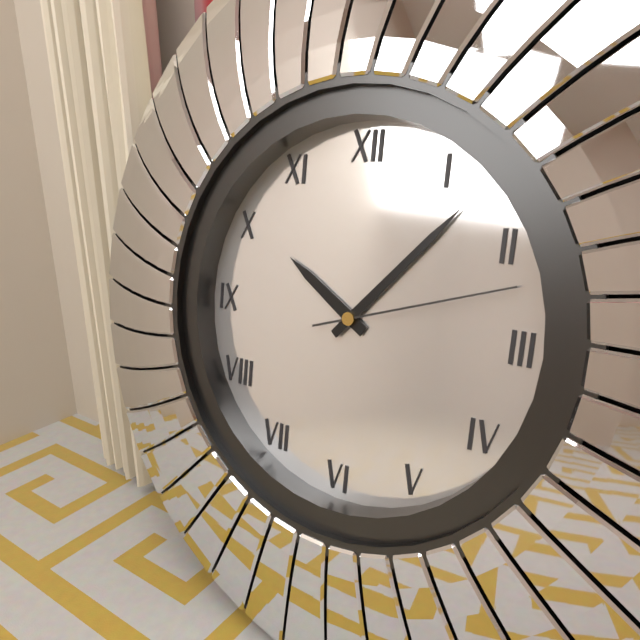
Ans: {"hour": 10, "minute": 7, "second": 12}
